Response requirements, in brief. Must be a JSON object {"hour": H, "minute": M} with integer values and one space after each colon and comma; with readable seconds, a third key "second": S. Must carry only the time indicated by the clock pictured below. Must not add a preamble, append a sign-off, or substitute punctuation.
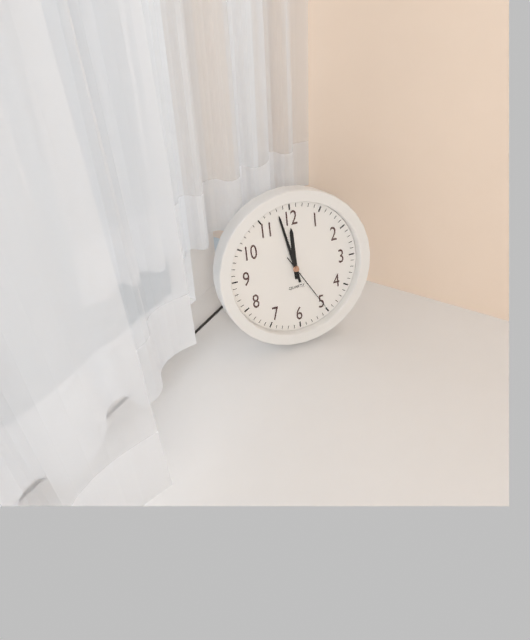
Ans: {"hour": 11, "minute": 58, "second": 25}
